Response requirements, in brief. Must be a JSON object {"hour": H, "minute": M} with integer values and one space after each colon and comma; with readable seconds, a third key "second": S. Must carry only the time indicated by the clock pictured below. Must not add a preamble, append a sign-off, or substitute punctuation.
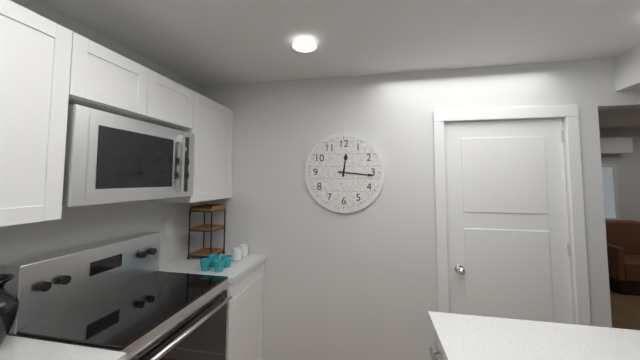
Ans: {"hour": 12, "minute": 16}
